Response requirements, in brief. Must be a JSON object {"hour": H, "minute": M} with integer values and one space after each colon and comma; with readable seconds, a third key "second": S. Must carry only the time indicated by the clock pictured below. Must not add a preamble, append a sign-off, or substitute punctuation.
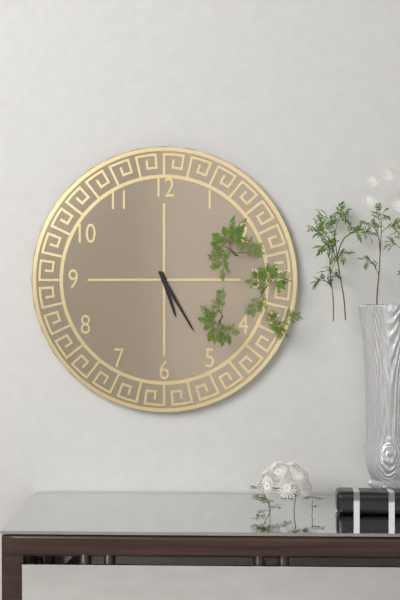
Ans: {"hour": 5, "minute": 25}
